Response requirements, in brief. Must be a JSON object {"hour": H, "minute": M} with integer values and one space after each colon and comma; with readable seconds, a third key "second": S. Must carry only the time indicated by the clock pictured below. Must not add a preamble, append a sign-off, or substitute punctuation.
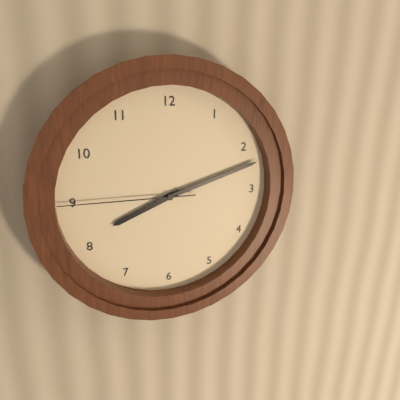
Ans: {"hour": 8, "minute": 12, "second": 45}
